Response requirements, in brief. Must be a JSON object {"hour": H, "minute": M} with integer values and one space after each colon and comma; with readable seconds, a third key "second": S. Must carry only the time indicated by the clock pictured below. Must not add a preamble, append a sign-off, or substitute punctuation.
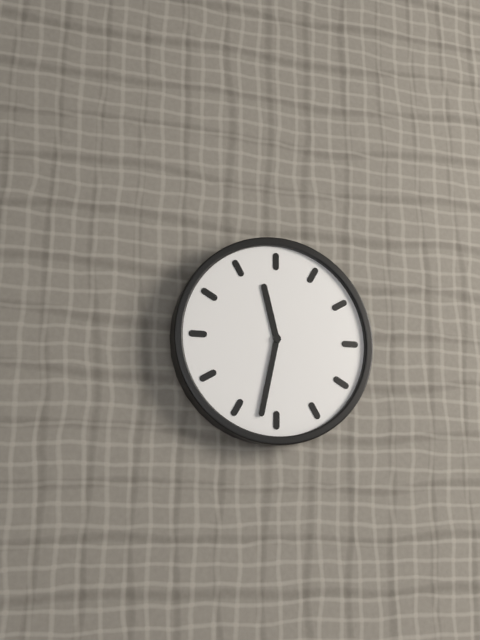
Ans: {"hour": 11, "minute": 32}
